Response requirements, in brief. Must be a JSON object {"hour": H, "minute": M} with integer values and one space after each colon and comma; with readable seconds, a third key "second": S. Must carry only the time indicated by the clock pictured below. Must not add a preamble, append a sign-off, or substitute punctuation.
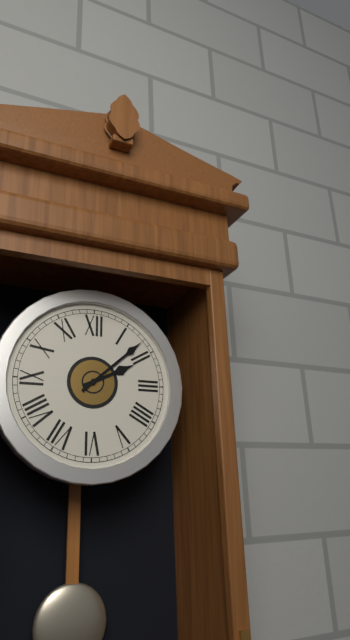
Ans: {"hour": 2, "minute": 8}
